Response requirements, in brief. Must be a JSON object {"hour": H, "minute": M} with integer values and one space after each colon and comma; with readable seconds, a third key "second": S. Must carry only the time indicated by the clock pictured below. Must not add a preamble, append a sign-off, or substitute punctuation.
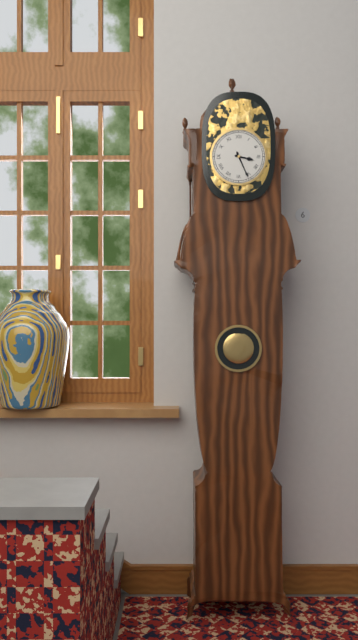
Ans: {"hour": 3, "minute": 26}
